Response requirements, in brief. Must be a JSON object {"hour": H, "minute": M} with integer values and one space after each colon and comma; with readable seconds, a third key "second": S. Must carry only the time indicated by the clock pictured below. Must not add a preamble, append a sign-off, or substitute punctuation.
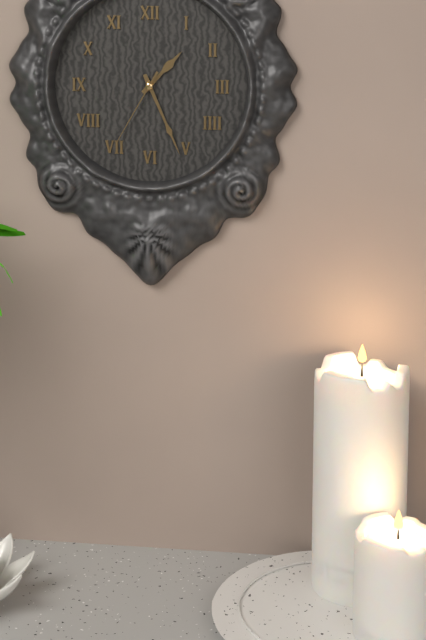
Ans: {"hour": 1, "minute": 26, "second": 35}
